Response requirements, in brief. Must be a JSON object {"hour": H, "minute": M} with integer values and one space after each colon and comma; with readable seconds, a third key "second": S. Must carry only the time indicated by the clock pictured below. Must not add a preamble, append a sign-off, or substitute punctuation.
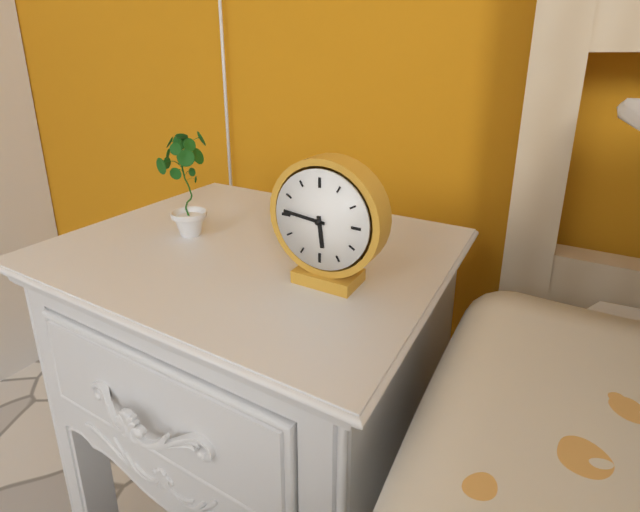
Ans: {"hour": 5, "minute": 46}
